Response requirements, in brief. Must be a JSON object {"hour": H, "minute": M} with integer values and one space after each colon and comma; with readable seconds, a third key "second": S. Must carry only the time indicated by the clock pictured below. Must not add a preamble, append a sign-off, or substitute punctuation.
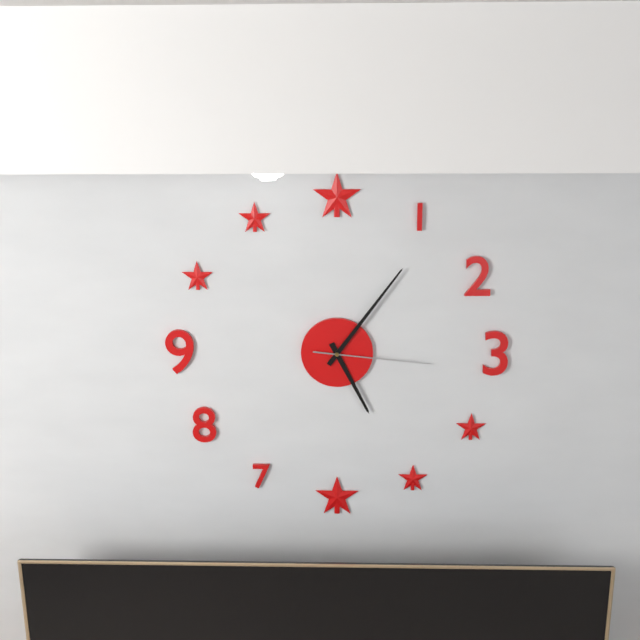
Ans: {"hour": 5, "minute": 6, "second": 16}
